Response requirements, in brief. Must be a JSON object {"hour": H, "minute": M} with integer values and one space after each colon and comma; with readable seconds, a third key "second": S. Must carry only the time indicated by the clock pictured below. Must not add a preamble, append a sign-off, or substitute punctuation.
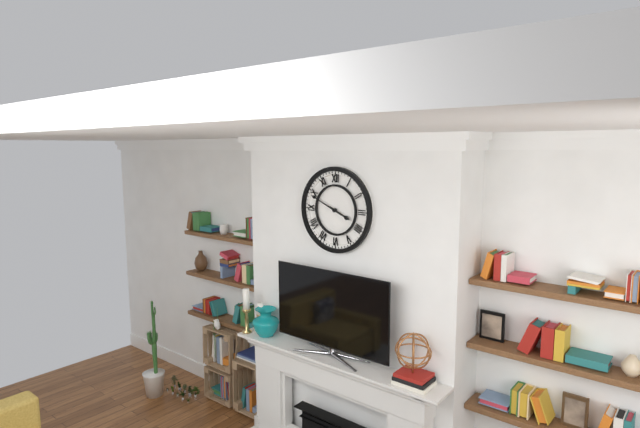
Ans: {"hour": 3, "minute": 49}
